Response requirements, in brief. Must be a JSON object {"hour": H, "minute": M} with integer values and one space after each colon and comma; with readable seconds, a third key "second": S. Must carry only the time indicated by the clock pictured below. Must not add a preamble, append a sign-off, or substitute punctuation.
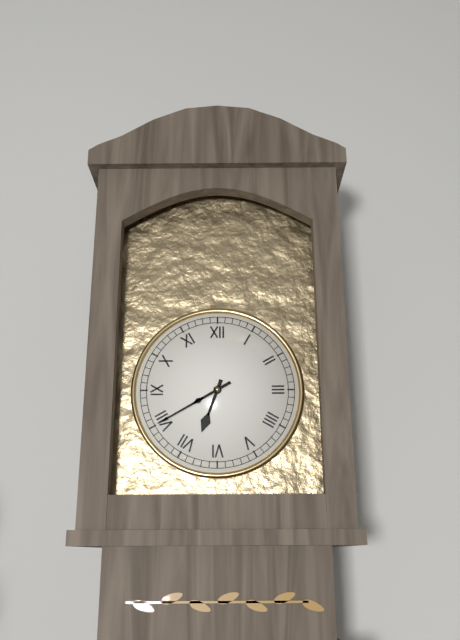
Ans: {"hour": 6, "minute": 40}
